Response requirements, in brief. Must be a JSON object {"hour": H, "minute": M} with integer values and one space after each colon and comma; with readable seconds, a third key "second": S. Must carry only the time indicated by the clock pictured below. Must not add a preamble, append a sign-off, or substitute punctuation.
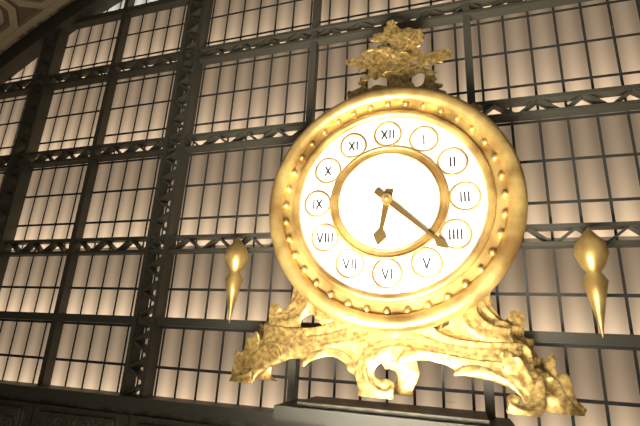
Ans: {"hour": 6, "minute": 22}
